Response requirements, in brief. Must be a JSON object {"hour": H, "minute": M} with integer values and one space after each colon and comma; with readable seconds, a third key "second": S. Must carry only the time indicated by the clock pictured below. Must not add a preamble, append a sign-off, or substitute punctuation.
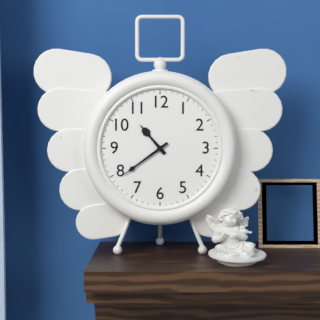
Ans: {"hour": 10, "minute": 39}
